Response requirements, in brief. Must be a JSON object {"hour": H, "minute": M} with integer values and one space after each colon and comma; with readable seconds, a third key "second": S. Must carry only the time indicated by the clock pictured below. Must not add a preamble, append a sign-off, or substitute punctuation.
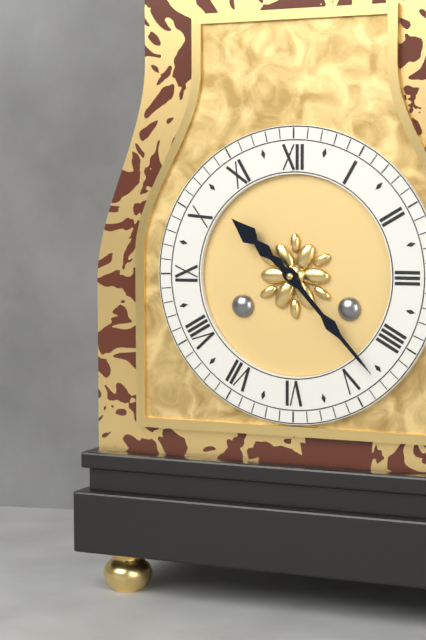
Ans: {"hour": 10, "minute": 23}
